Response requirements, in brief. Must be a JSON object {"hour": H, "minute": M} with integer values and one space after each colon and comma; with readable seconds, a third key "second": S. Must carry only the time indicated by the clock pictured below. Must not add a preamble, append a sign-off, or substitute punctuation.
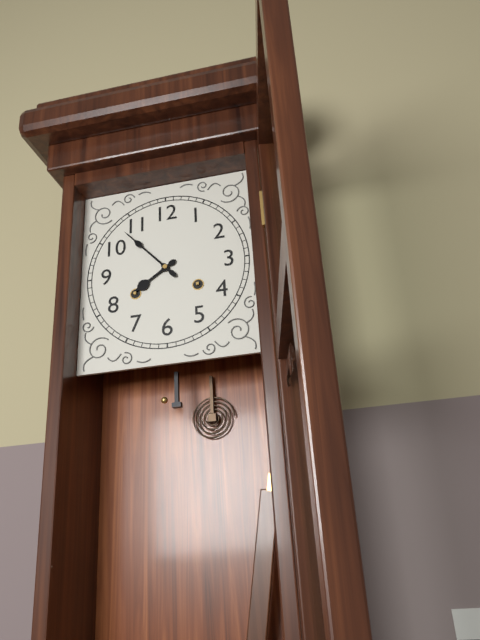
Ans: {"hour": 7, "minute": 53}
